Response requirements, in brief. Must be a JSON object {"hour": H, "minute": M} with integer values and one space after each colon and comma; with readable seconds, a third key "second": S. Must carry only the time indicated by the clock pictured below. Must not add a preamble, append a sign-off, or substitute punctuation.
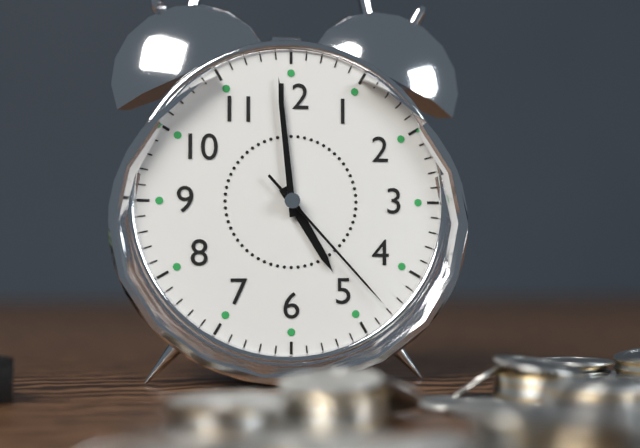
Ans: {"hour": 4, "minute": 59, "second": 23}
